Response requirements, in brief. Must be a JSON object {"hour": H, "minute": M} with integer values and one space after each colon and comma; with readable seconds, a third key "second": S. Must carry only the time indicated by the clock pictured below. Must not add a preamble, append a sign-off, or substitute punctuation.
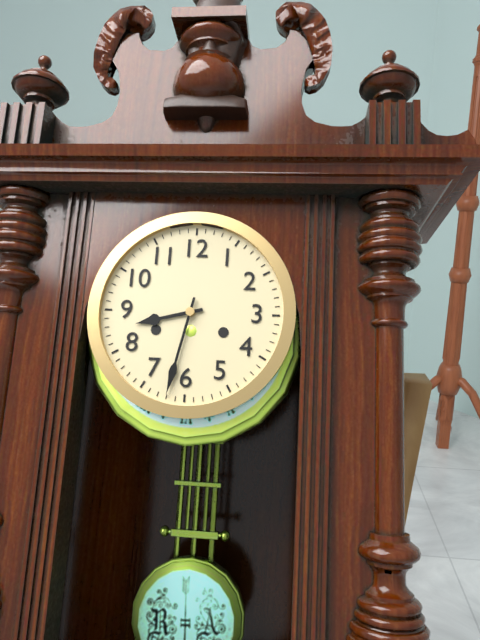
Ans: {"hour": 8, "minute": 32}
